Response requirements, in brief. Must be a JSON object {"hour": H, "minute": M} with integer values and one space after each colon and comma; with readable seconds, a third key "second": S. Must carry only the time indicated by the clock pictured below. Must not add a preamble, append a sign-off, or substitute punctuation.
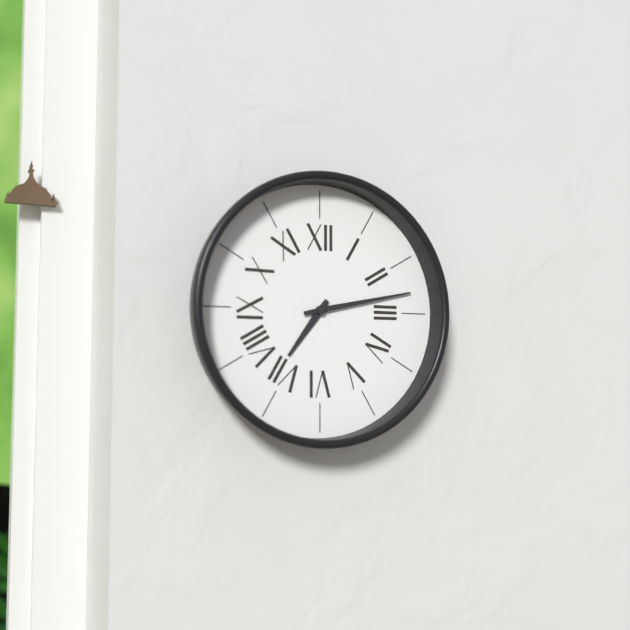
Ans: {"hour": 7, "minute": 13}
